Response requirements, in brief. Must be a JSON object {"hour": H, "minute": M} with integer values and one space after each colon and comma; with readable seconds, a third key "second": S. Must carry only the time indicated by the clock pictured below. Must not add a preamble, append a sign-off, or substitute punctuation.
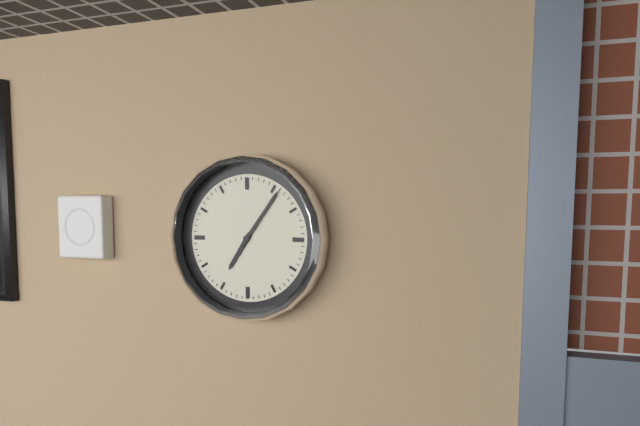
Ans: {"hour": 7, "minute": 6}
